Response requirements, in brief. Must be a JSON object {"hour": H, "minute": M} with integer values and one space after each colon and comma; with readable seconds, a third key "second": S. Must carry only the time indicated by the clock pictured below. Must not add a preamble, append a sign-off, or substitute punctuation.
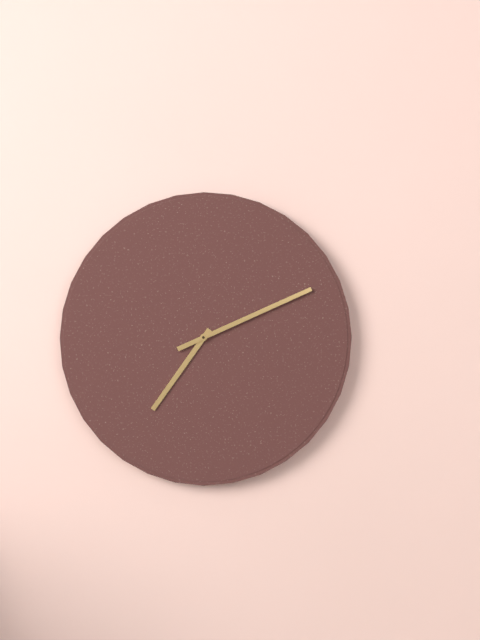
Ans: {"hour": 7, "minute": 11}
